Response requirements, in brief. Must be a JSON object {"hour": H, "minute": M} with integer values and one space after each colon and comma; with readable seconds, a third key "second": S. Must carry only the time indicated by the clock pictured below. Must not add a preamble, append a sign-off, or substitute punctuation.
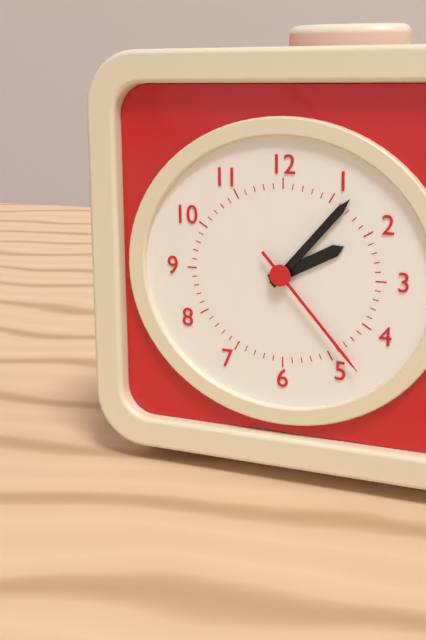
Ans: {"hour": 2, "minute": 7, "second": 23}
